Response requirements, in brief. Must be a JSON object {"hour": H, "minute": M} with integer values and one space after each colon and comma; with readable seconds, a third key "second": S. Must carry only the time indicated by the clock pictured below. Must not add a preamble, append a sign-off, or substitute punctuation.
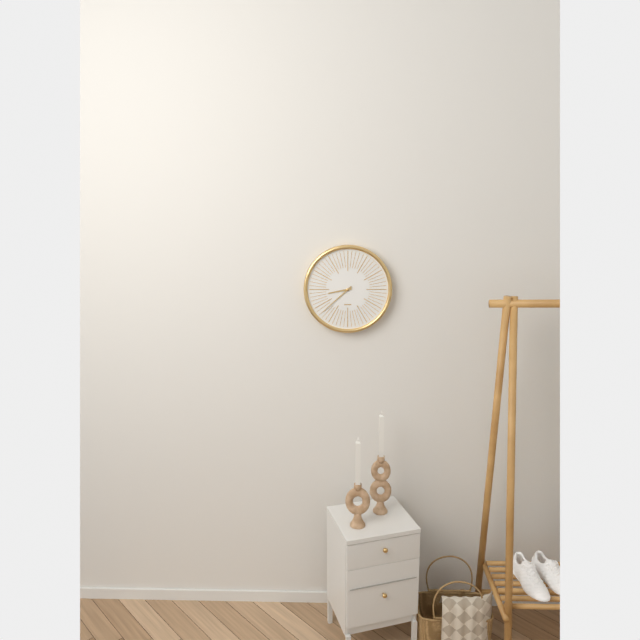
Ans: {"hour": 8, "minute": 38}
